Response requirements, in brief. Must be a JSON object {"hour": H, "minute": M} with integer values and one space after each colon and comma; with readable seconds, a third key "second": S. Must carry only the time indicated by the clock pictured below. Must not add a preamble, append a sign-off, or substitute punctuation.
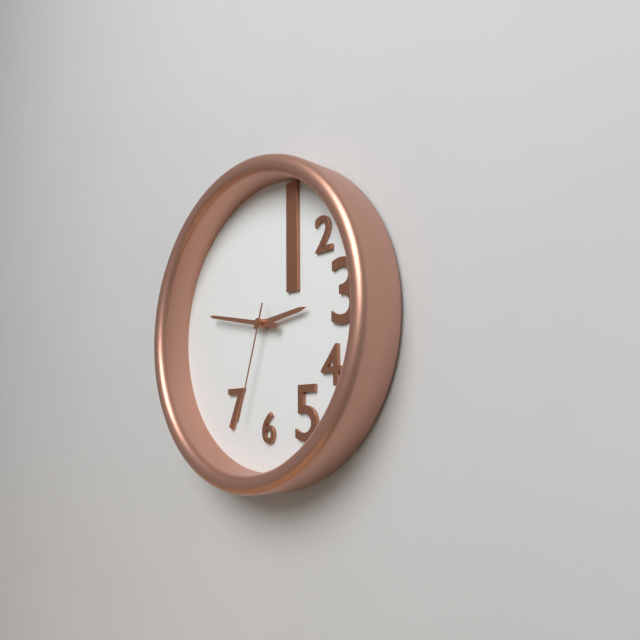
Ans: {"hour": 2, "minute": 47, "second": 33}
